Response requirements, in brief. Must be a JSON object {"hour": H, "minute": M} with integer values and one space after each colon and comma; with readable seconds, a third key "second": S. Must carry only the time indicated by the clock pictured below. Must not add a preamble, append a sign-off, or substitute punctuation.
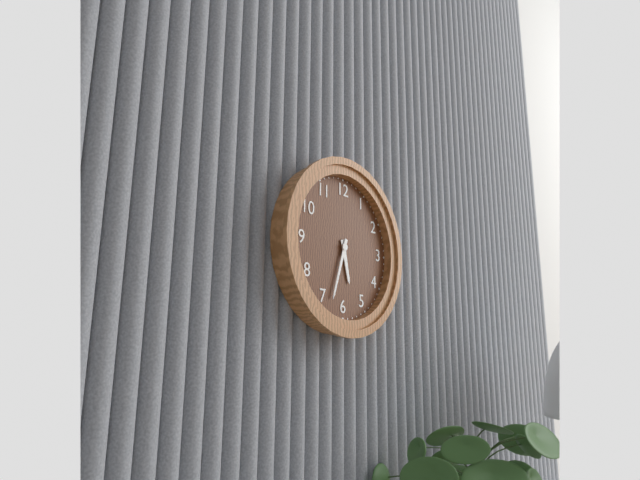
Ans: {"hour": 5, "minute": 33}
